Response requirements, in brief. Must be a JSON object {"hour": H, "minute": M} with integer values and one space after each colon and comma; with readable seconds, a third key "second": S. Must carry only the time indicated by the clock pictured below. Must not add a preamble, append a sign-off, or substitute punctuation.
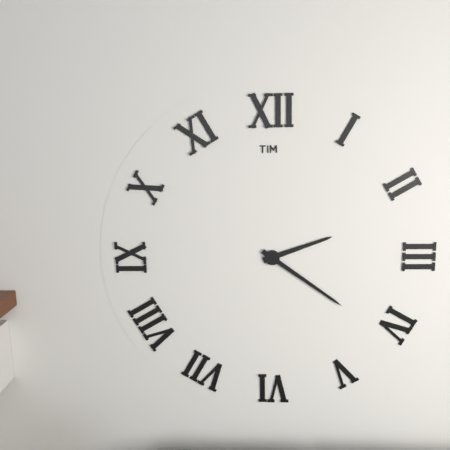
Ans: {"hour": 2, "minute": 21}
